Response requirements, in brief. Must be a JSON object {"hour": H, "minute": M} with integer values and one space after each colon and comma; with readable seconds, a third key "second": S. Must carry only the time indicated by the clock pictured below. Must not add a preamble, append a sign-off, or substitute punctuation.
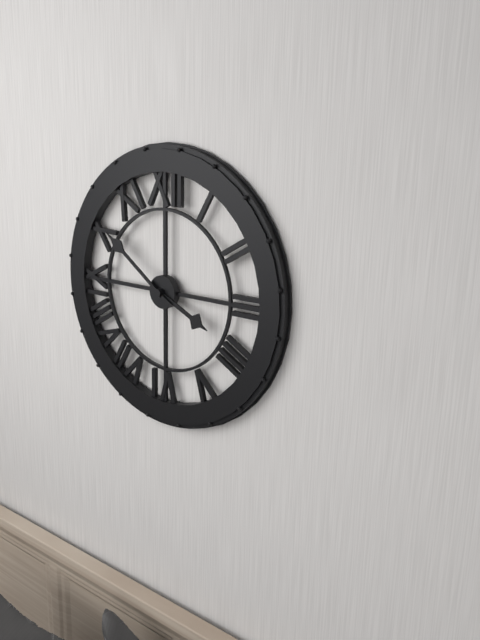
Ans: {"hour": 3, "minute": 51}
